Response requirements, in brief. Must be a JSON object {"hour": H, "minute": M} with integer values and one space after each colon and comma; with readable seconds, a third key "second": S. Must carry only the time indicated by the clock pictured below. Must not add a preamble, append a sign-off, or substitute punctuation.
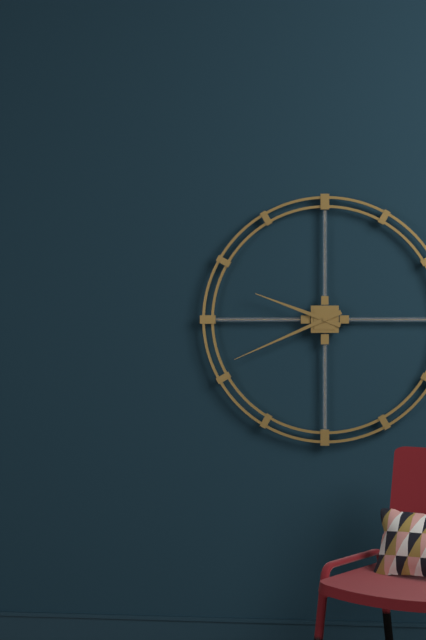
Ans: {"hour": 9, "minute": 41}
